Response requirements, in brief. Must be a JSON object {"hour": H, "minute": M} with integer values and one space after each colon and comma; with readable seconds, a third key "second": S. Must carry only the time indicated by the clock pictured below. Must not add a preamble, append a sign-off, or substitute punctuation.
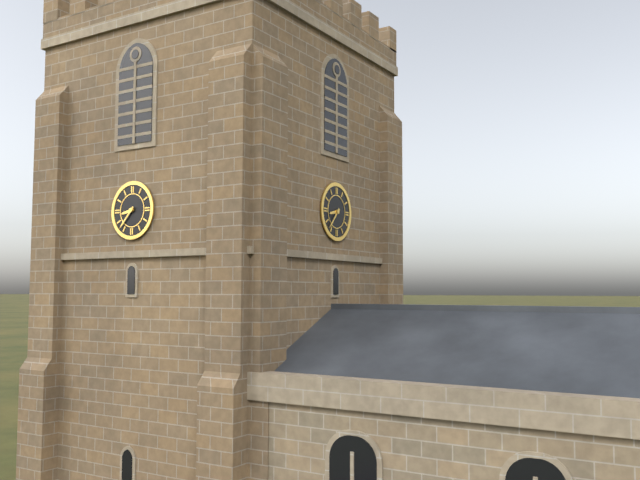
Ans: {"hour": 8, "minute": 37}
